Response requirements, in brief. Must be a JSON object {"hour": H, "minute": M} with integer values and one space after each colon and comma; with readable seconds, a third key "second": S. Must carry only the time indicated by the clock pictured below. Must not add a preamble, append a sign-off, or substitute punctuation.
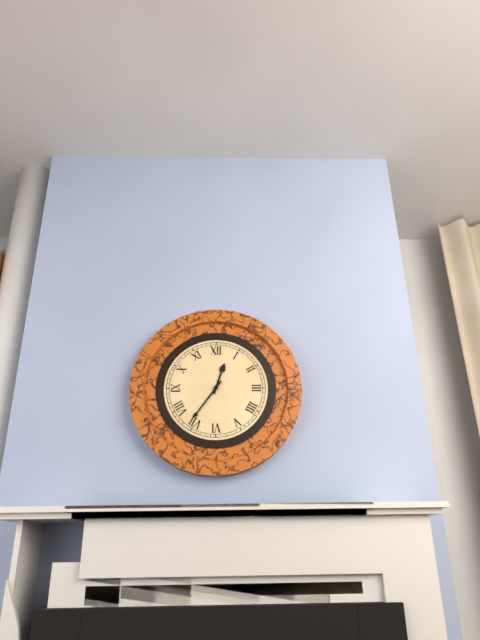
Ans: {"hour": 12, "minute": 36}
